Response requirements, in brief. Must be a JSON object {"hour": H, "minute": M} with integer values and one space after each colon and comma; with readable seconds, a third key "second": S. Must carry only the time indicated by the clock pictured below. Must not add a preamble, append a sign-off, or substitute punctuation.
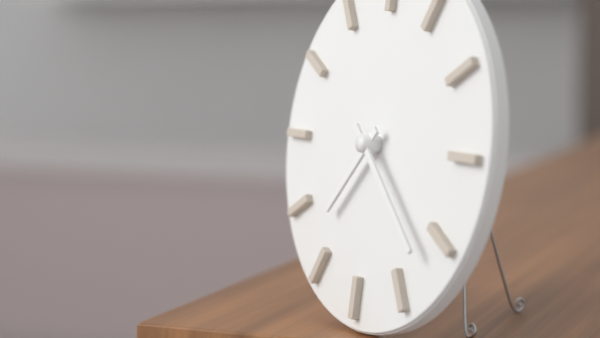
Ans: {"hour": 7, "minute": 22}
